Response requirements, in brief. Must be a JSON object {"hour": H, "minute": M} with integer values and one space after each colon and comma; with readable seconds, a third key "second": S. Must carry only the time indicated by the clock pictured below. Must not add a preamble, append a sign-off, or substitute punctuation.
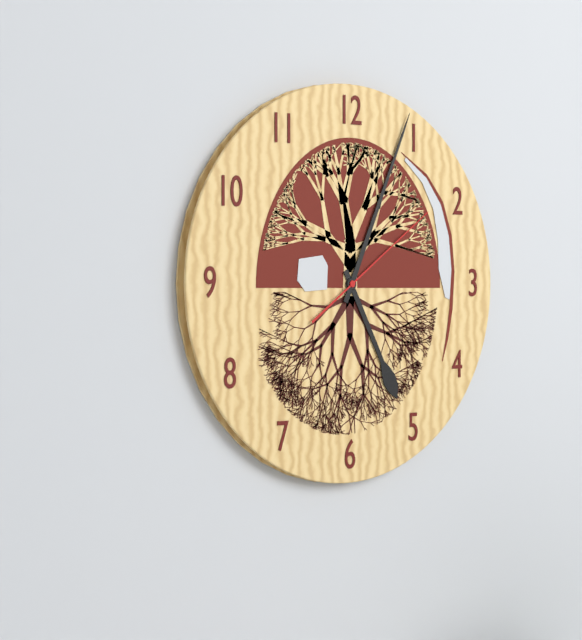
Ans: {"hour": 5, "minute": 4, "second": 9}
